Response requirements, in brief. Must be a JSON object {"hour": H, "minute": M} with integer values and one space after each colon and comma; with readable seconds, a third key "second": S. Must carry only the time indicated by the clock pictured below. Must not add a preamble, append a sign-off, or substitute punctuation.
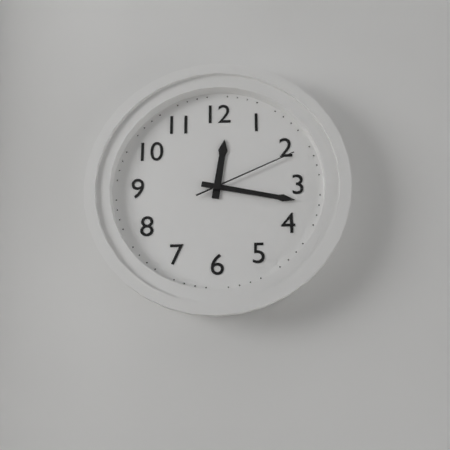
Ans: {"hour": 12, "minute": 17, "second": 11}
